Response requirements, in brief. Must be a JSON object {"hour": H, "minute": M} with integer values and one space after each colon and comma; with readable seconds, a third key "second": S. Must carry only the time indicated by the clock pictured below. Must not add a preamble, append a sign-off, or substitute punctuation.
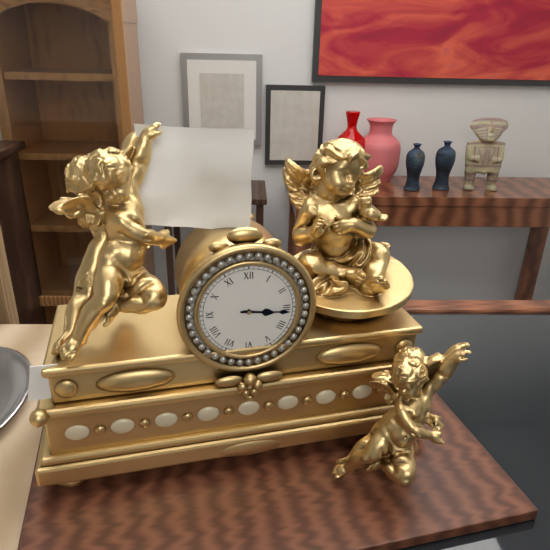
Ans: {"hour": 3, "minute": 16}
